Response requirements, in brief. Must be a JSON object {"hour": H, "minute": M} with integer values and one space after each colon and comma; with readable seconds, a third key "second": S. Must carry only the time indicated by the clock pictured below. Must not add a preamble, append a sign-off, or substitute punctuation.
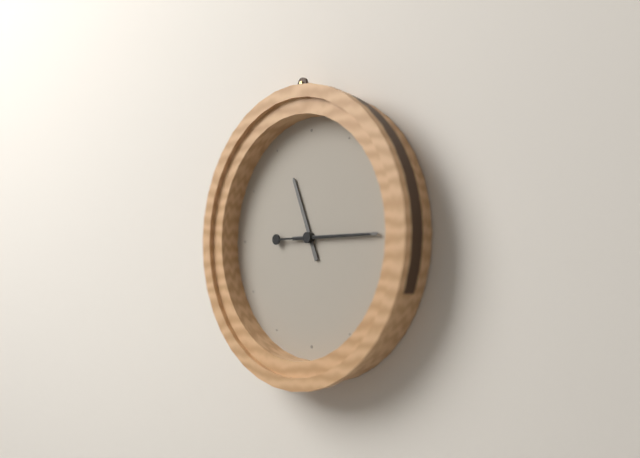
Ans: {"hour": 11, "minute": 15, "second": 15}
